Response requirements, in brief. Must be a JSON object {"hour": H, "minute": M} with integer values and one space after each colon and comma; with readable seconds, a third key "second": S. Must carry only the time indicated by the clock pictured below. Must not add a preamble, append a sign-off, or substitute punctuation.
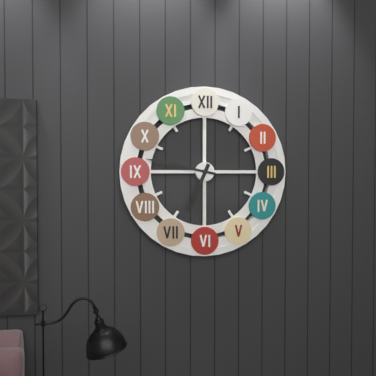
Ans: {"hour": 6, "minute": 47}
